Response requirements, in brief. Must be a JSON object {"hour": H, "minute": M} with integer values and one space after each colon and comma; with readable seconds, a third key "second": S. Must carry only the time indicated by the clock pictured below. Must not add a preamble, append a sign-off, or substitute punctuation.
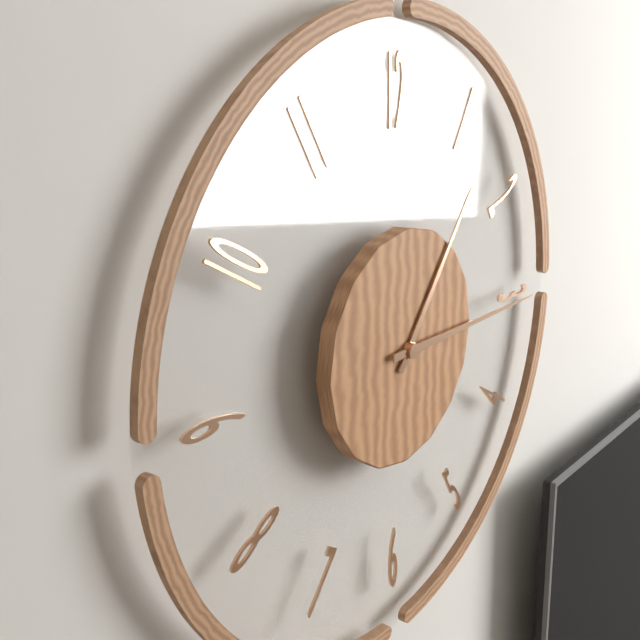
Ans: {"hour": 1, "minute": 15}
